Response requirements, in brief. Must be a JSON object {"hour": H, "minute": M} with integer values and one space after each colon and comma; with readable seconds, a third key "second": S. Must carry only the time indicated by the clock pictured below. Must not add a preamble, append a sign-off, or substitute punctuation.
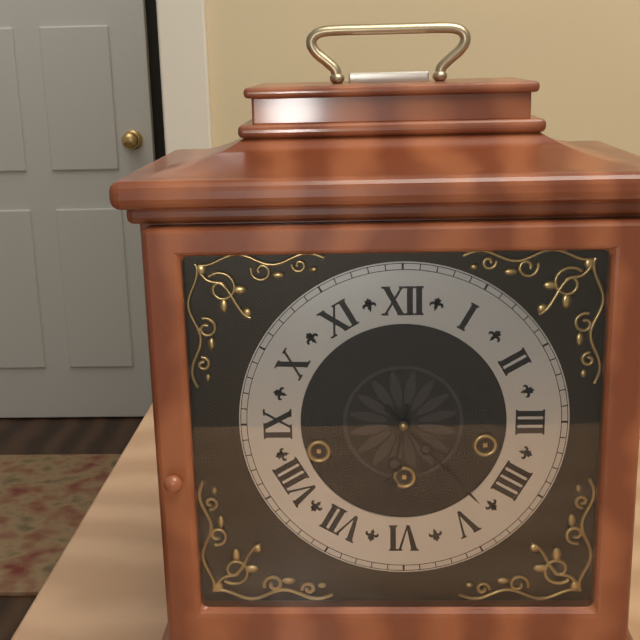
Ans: {"hour": 6, "minute": 23}
